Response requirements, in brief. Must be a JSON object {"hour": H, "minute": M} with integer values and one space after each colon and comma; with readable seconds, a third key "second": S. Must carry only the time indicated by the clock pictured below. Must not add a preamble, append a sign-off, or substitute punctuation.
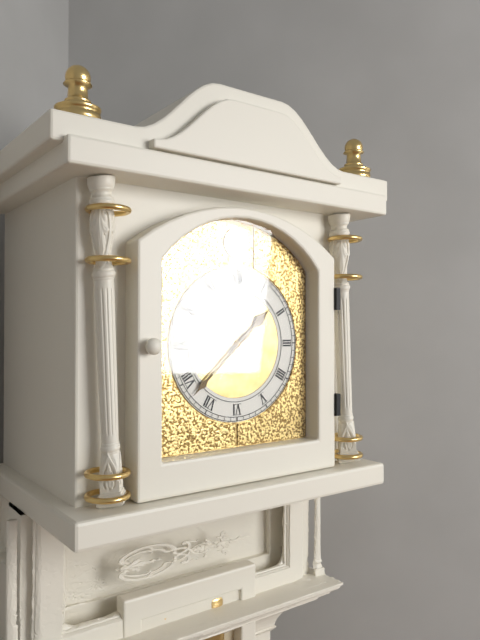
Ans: {"hour": 1, "minute": 38}
